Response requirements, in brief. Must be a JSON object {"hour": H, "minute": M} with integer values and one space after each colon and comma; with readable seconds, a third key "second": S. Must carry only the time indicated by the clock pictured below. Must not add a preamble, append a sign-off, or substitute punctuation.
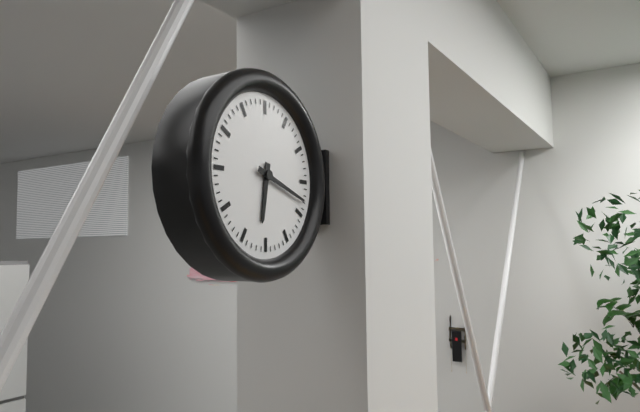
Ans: {"hour": 6, "minute": 18}
